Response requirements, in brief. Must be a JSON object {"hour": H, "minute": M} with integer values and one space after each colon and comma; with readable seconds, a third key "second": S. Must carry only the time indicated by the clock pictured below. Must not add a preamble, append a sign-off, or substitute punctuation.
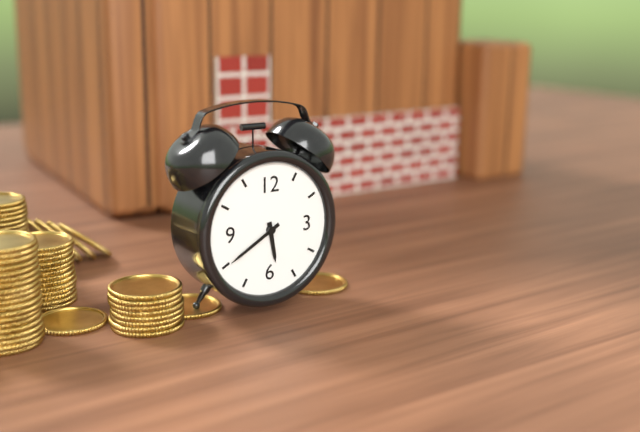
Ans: {"hour": 5, "minute": 40}
